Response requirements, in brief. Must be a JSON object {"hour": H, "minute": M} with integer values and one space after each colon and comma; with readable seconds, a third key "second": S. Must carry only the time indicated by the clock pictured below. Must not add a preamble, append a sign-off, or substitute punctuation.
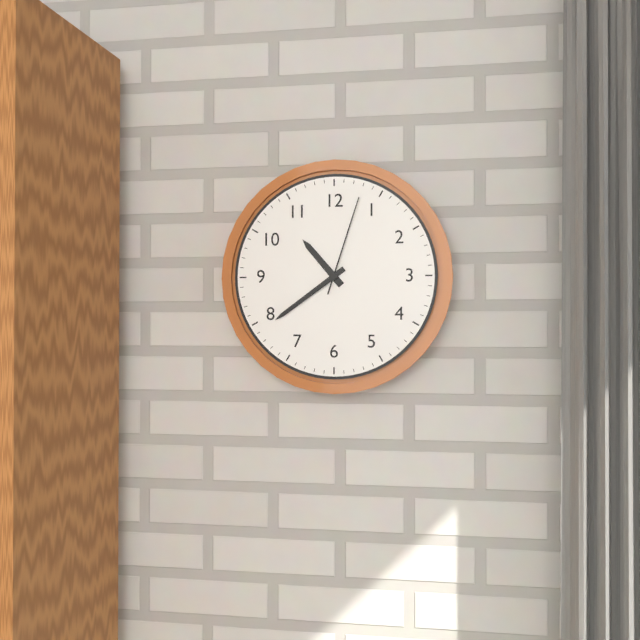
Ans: {"hour": 10, "minute": 39, "second": 3}
